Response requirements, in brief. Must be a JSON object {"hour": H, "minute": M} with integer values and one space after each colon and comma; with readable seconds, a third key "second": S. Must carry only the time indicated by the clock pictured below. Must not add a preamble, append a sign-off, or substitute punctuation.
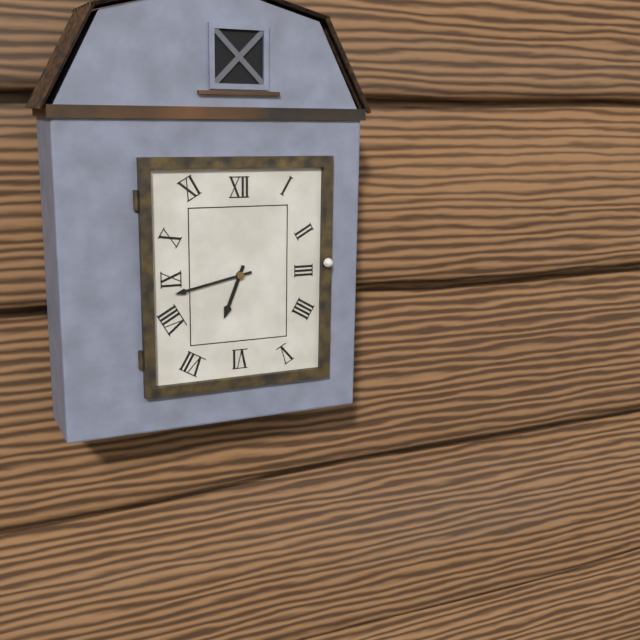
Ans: {"hour": 6, "minute": 43}
